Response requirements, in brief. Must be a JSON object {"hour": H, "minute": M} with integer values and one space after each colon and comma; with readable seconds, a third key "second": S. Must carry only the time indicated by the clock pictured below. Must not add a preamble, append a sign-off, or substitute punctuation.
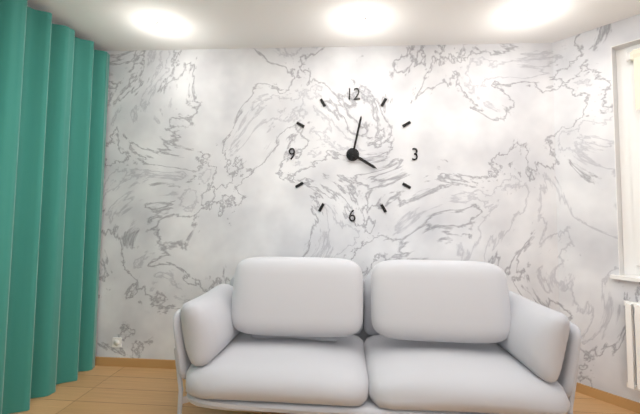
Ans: {"hour": 4, "minute": 2}
